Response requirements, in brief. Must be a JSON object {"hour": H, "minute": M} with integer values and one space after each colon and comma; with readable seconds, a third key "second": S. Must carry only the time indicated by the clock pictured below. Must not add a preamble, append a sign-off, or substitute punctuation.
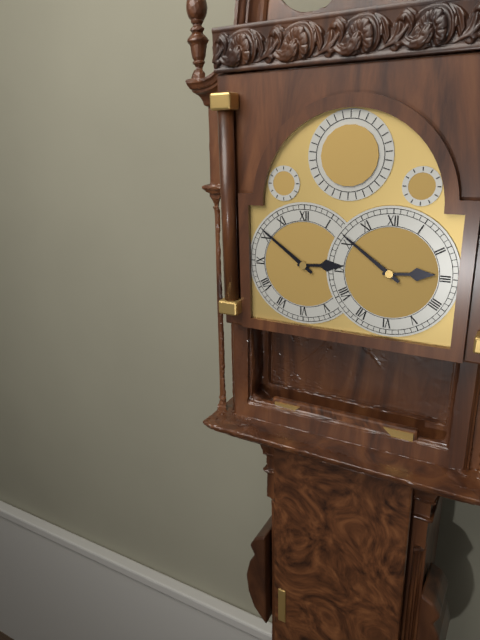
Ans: {"hour": 2, "minute": 51}
